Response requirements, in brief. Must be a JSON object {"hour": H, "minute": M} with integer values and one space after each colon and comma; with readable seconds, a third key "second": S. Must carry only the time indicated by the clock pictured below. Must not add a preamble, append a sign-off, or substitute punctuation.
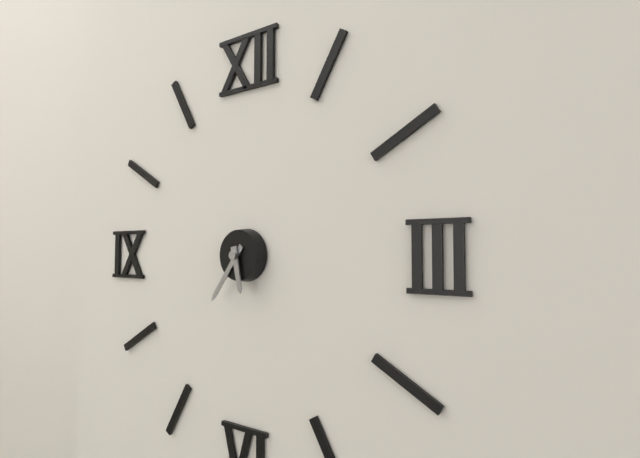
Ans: {"hour": 5, "minute": 36}
